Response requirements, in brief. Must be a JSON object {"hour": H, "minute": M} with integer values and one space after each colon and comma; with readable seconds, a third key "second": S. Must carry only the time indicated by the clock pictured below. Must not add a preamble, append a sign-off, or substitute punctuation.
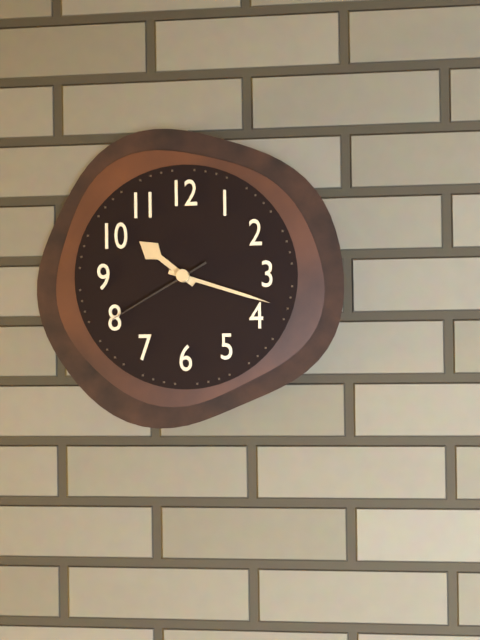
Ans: {"hour": 10, "minute": 18, "second": 40}
